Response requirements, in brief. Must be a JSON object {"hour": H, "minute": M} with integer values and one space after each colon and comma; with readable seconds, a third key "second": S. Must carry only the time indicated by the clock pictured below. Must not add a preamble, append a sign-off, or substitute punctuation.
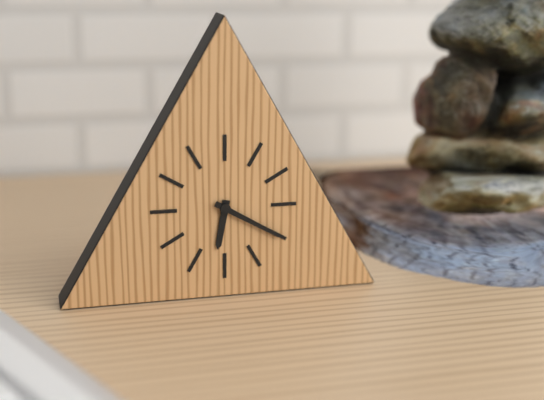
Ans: {"hour": 6, "minute": 20}
